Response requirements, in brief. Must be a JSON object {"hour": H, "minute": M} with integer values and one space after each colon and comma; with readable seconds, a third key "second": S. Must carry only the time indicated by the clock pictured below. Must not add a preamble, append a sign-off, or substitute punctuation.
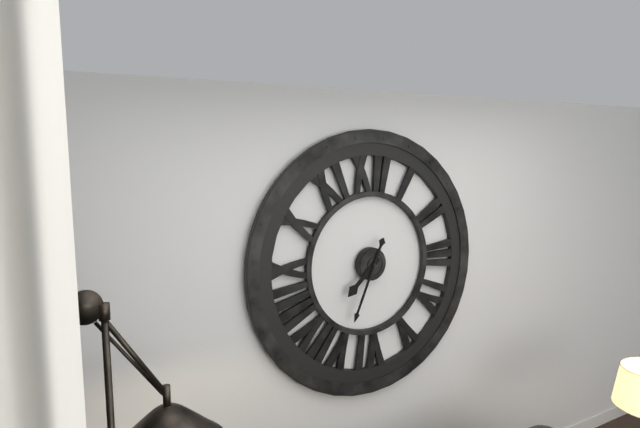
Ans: {"hour": 7, "minute": 34}
